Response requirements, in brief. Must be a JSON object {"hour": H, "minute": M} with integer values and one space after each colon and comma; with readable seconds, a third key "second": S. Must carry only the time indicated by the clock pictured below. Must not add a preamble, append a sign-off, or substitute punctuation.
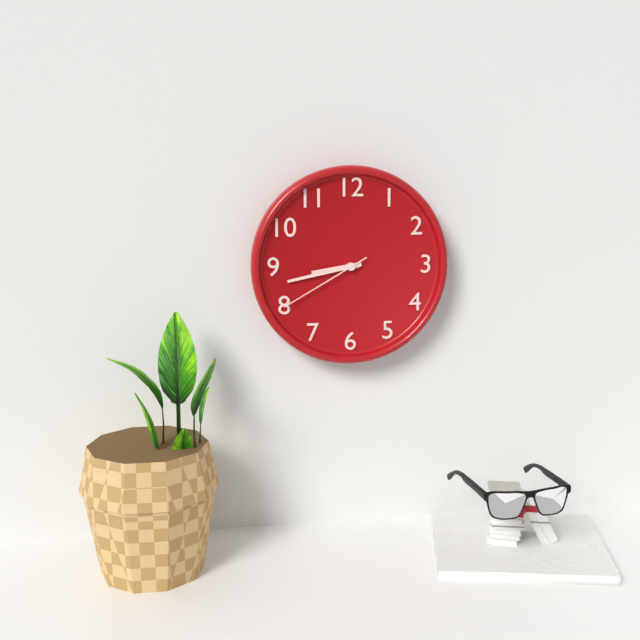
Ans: {"hour": 8, "minute": 43, "second": 40}
